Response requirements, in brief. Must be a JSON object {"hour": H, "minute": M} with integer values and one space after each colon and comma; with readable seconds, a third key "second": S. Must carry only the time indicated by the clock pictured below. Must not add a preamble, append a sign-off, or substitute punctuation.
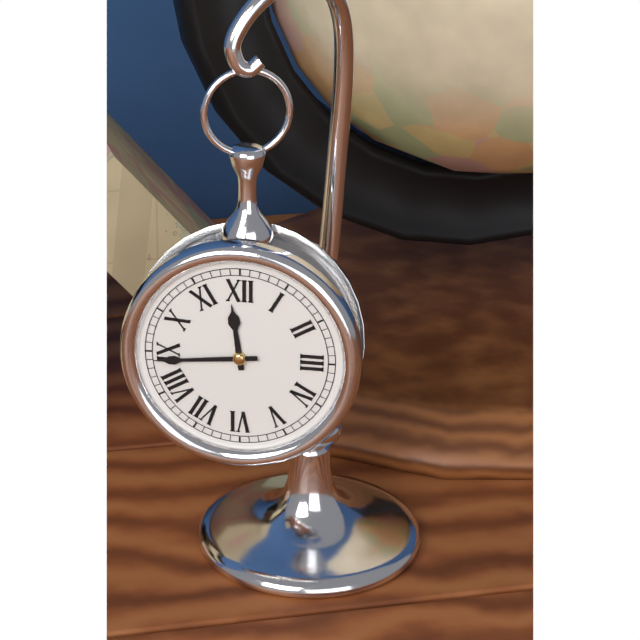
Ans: {"hour": 11, "minute": 44}
